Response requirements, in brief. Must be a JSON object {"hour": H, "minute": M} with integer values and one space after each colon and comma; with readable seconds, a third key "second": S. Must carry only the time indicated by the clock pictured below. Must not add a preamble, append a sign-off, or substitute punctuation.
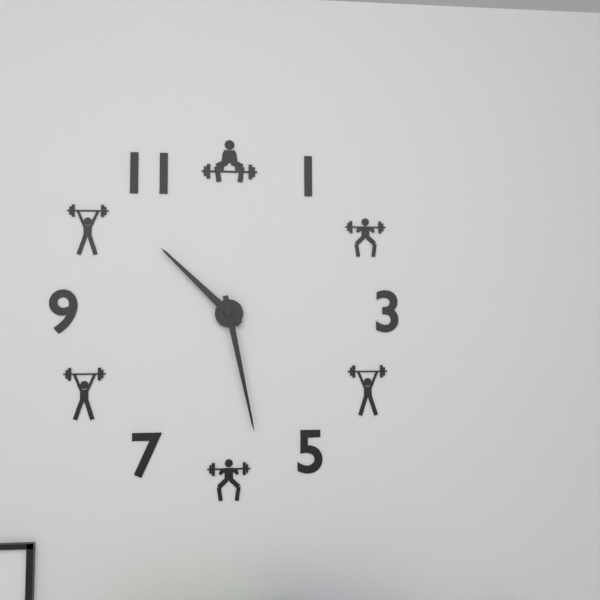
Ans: {"hour": 10, "minute": 28}
